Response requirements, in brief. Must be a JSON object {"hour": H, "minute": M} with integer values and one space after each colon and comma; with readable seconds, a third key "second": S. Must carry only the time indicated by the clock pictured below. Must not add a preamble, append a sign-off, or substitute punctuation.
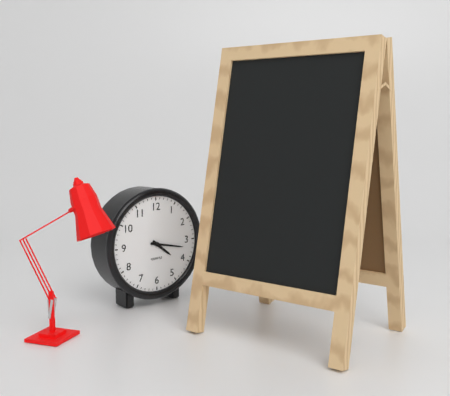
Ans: {"hour": 4, "minute": 17}
